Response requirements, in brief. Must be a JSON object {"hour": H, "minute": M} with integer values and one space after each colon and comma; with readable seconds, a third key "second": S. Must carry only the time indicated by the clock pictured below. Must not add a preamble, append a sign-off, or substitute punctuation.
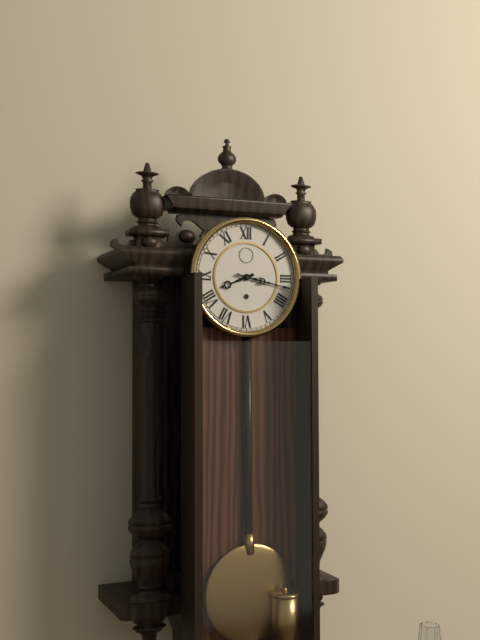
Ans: {"hour": 8, "minute": 17}
